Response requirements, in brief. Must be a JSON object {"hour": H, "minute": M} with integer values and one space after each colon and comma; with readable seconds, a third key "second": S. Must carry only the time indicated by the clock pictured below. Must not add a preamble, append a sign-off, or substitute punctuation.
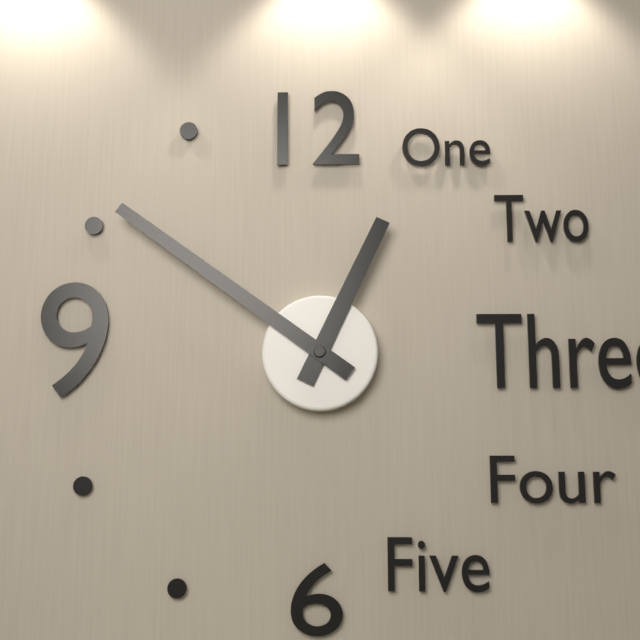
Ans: {"hour": 12, "minute": 51}
